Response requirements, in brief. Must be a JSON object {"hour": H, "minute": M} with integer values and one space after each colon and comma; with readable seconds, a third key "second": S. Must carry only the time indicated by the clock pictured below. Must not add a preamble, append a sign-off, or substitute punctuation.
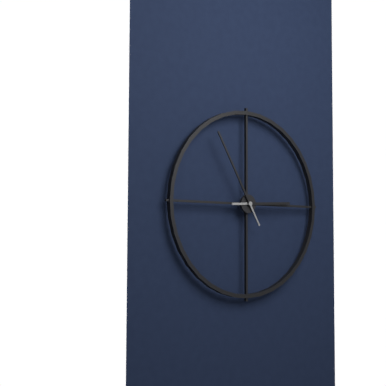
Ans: {"hour": 2, "minute": 55}
